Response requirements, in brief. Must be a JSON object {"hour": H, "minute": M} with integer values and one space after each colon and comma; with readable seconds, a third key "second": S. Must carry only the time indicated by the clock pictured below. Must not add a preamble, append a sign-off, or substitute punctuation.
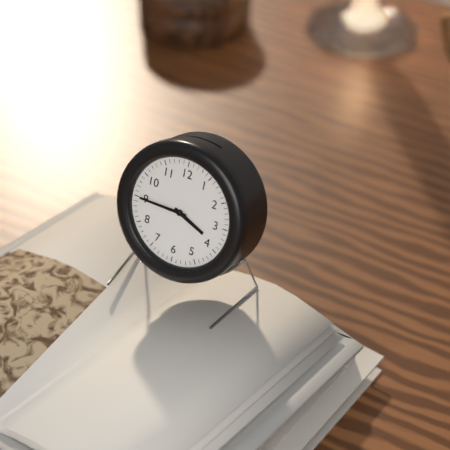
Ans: {"hour": 3, "minute": 45}
